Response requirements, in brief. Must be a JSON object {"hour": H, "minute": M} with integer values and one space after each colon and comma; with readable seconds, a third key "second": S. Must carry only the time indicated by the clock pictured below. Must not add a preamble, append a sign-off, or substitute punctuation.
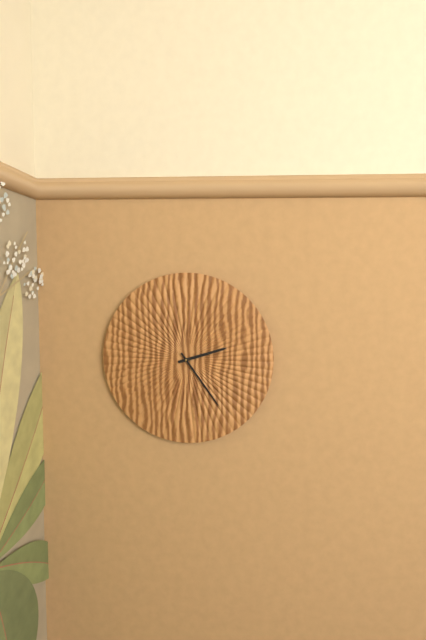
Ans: {"hour": 2, "minute": 24}
